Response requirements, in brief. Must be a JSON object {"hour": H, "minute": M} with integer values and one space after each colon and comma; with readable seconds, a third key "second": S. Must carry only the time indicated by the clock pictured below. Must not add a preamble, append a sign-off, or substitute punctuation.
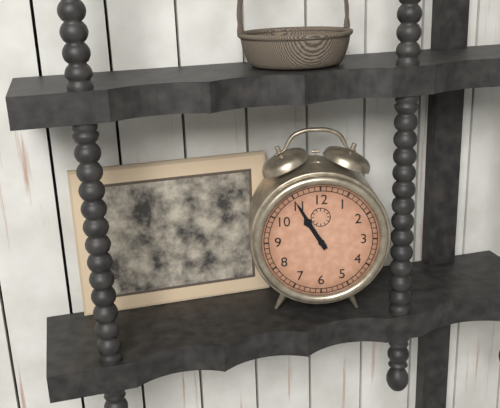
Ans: {"hour": 10, "minute": 55}
